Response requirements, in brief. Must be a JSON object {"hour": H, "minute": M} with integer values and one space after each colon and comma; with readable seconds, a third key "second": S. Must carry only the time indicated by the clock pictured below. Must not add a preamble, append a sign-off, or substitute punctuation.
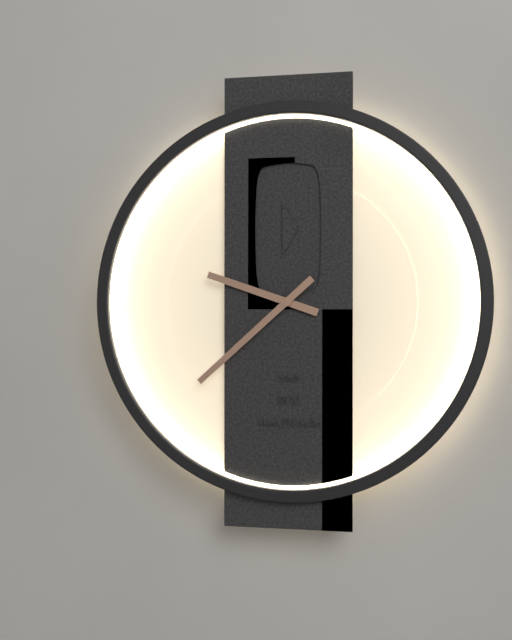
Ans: {"hour": 9, "minute": 38}
